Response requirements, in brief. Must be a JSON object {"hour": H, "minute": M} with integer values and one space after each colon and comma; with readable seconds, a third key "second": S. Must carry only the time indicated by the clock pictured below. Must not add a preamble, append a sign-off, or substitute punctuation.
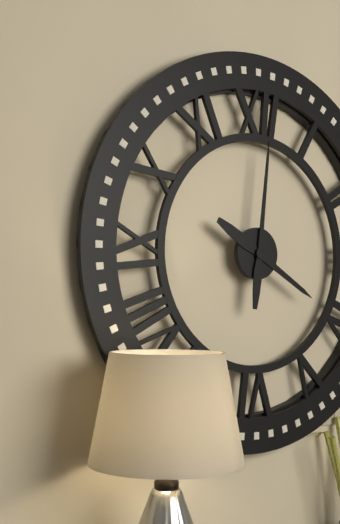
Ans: {"hour": 4, "minute": 1}
